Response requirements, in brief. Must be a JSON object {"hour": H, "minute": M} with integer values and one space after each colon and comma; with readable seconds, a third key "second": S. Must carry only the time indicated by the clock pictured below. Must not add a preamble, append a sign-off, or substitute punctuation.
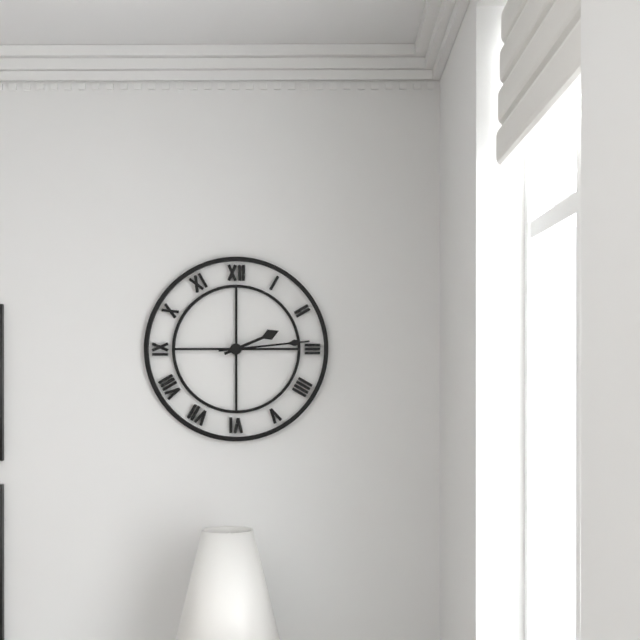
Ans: {"hour": 2, "minute": 14}
